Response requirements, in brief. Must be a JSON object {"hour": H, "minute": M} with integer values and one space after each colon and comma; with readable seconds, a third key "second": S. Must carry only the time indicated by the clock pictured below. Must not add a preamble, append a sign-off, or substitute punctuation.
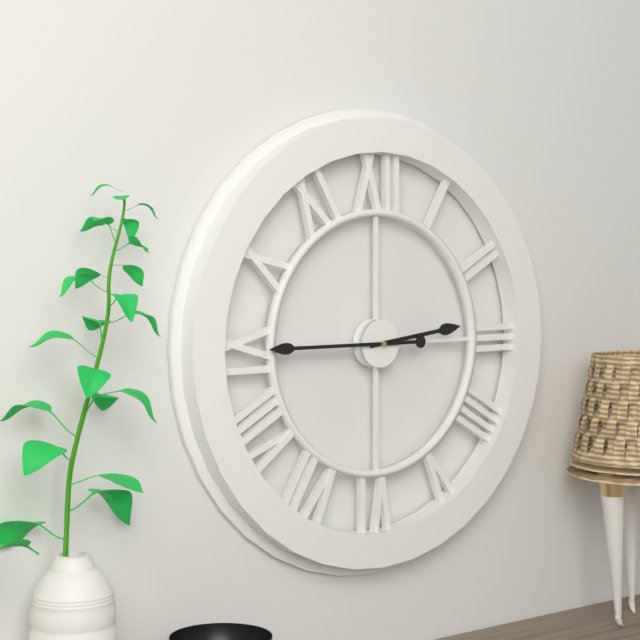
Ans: {"hour": 2, "minute": 45}
